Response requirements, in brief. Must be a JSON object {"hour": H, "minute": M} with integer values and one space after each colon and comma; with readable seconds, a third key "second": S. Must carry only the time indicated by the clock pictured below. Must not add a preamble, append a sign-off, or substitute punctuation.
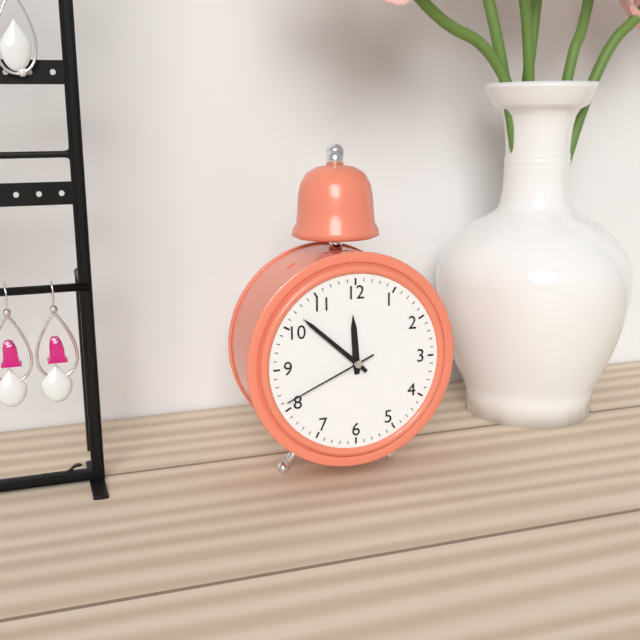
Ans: {"hour": 11, "minute": 52, "second": 41}
